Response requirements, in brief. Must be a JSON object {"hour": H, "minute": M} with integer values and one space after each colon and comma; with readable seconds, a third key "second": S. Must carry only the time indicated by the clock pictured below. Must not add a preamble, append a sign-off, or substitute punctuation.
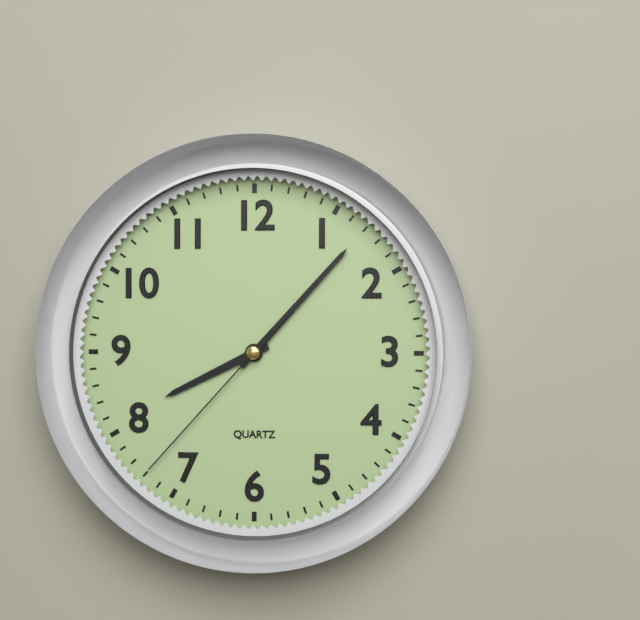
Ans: {"hour": 8, "minute": 7, "second": 37}
